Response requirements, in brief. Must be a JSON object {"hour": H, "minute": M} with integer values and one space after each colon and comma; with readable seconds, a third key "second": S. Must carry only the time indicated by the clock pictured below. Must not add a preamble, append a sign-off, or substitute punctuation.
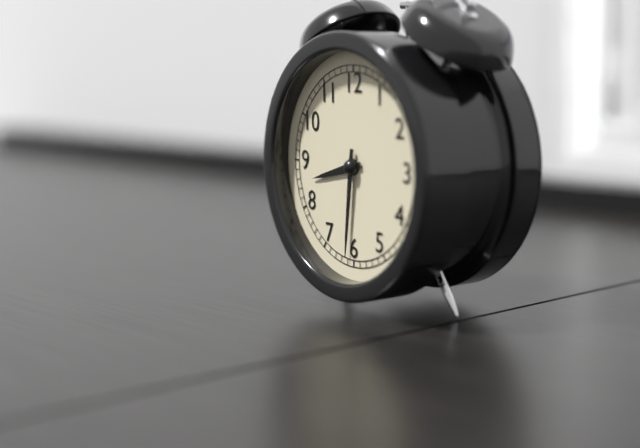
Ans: {"hour": 8, "minute": 31}
